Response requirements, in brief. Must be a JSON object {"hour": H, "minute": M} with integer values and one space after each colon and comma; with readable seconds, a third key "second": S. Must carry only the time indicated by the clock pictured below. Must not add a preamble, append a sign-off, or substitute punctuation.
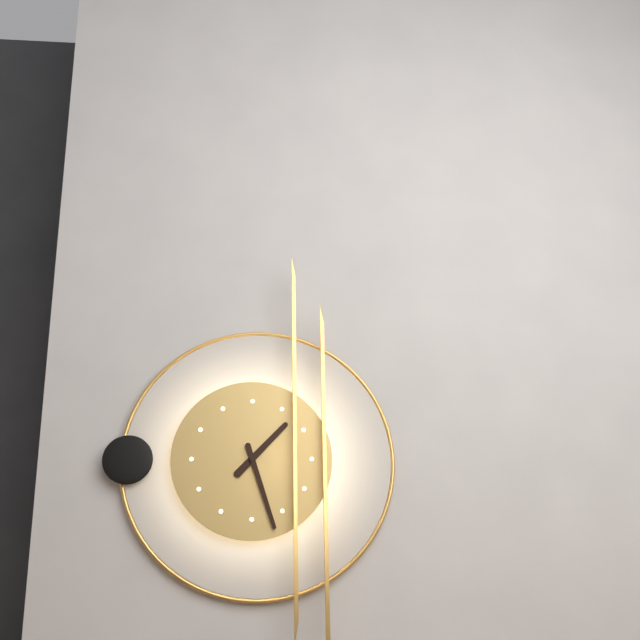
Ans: {"hour": 1, "minute": 27}
